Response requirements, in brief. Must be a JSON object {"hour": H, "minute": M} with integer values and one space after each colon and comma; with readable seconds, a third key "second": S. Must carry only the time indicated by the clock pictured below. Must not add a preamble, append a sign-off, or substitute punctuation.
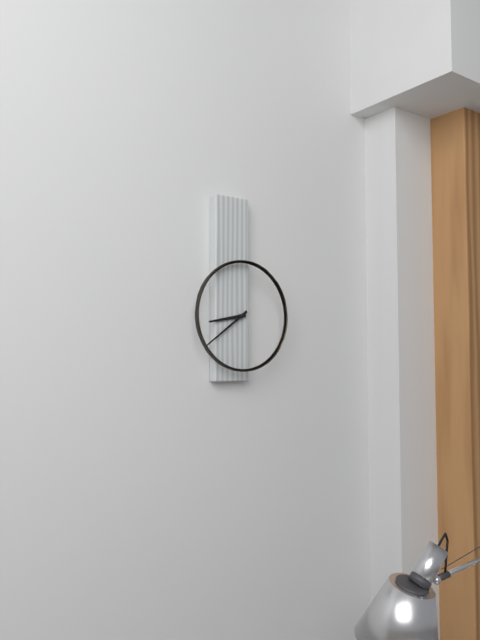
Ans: {"hour": 8, "minute": 39}
